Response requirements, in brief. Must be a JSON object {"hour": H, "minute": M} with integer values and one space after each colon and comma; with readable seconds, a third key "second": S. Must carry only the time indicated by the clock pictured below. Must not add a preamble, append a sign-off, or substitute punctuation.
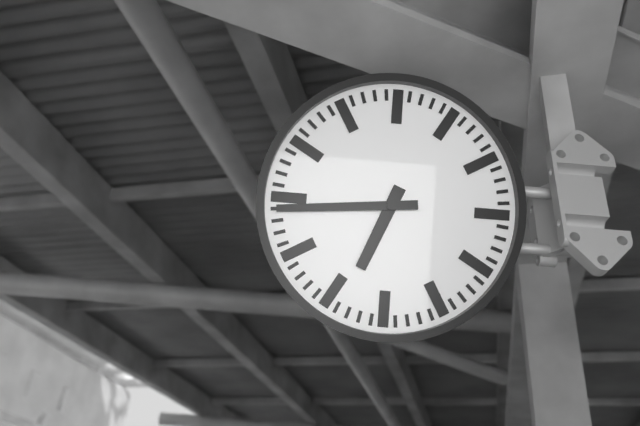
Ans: {"hour": 6, "minute": 44}
